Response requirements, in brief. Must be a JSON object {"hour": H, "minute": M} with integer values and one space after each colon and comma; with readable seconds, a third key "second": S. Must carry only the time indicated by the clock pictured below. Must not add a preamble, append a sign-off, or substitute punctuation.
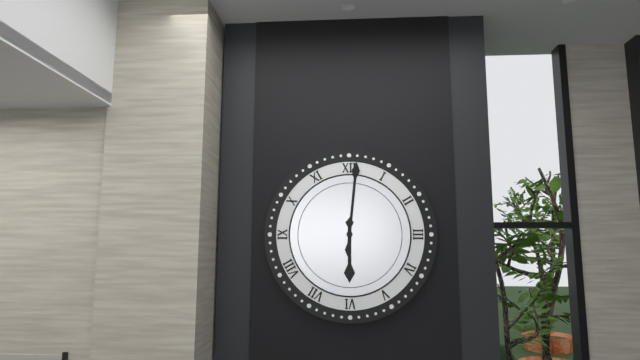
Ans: {"hour": 6, "minute": 1}
